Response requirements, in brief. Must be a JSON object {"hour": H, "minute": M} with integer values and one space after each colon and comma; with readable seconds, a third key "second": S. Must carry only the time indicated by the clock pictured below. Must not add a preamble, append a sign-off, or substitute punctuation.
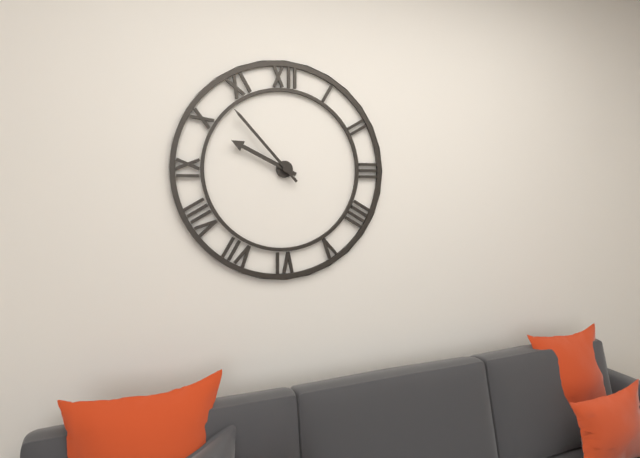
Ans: {"hour": 9, "minute": 53}
